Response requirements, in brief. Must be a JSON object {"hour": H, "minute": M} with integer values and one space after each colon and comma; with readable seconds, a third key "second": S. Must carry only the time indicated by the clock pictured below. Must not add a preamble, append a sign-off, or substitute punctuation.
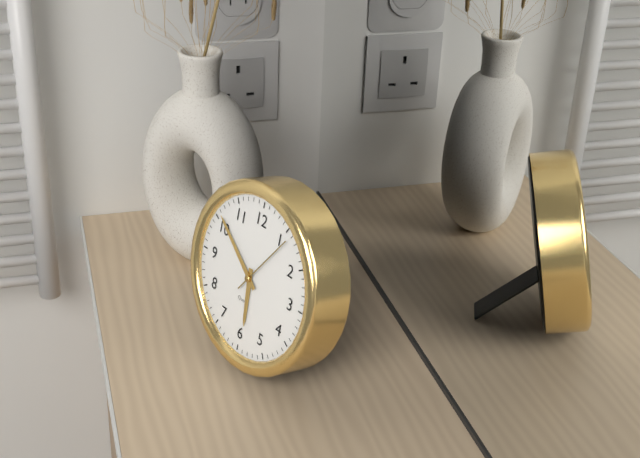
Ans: {"hour": 5, "minute": 51, "second": 6}
